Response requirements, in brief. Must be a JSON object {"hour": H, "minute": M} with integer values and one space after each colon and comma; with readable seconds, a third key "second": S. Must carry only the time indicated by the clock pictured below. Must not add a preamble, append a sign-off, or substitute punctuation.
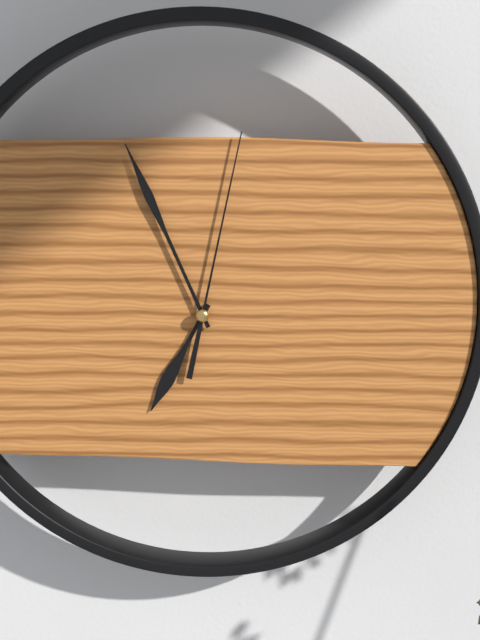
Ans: {"hour": 6, "minute": 56, "second": 2}
